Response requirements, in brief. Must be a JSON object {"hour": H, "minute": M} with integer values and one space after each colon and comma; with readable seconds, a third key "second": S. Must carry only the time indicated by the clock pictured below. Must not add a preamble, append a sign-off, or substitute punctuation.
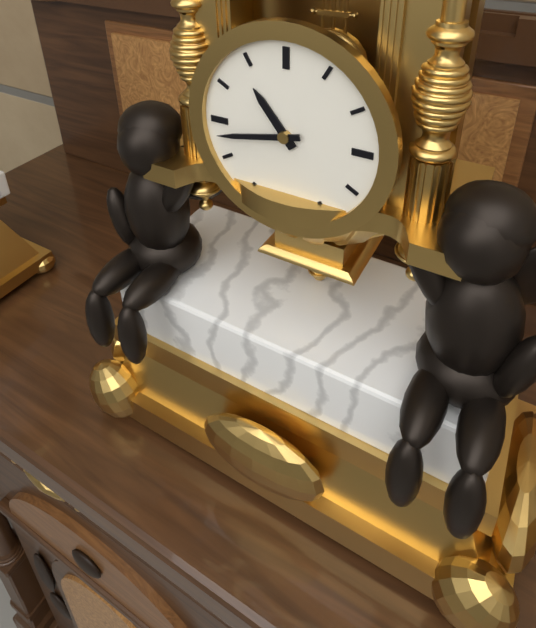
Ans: {"hour": 10, "minute": 43}
